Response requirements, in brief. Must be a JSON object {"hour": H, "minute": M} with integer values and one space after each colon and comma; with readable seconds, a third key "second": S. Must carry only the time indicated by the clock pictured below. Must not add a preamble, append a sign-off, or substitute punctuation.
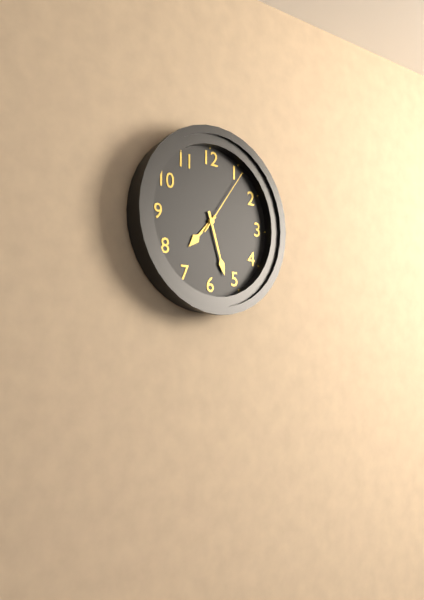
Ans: {"hour": 7, "minute": 27, "second": 6}
